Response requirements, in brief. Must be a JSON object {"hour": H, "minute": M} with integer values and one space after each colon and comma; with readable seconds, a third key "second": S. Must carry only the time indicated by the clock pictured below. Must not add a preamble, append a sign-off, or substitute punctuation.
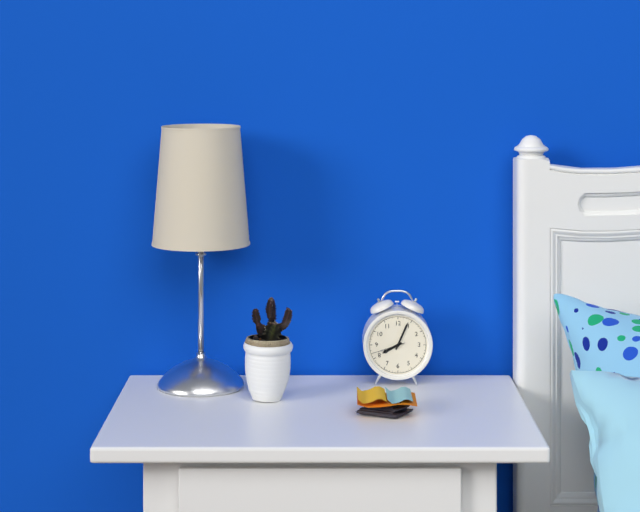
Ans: {"hour": 8, "minute": 4}
